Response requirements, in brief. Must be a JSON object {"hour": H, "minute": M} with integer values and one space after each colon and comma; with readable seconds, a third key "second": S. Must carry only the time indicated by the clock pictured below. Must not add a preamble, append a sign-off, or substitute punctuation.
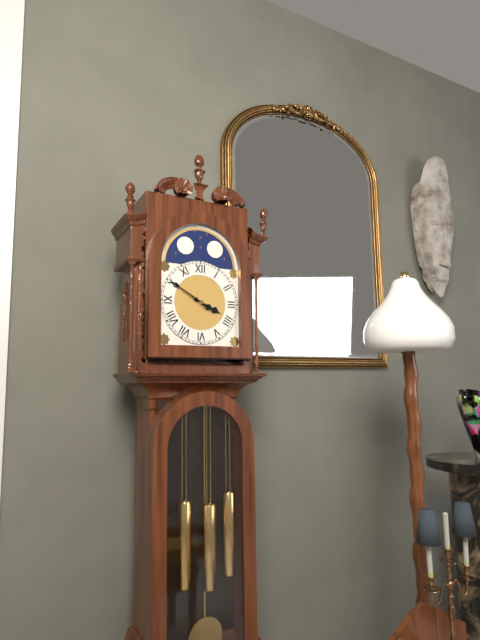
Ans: {"hour": 3, "minute": 50}
